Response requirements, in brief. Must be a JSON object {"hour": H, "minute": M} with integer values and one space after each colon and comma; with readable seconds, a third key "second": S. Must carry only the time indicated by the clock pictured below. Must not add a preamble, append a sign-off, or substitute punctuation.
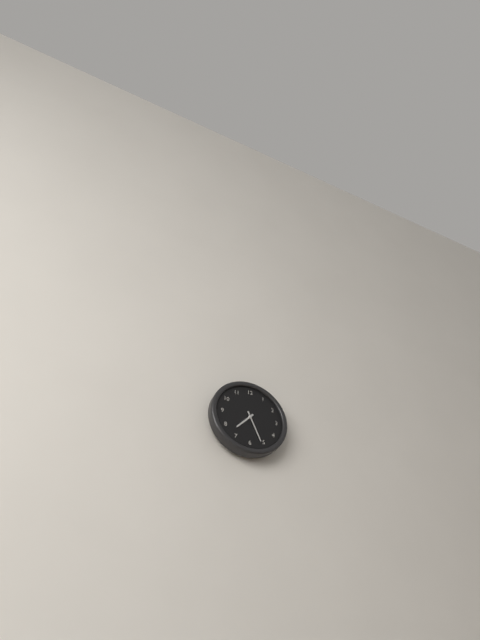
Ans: {"hour": 7, "minute": 26}
